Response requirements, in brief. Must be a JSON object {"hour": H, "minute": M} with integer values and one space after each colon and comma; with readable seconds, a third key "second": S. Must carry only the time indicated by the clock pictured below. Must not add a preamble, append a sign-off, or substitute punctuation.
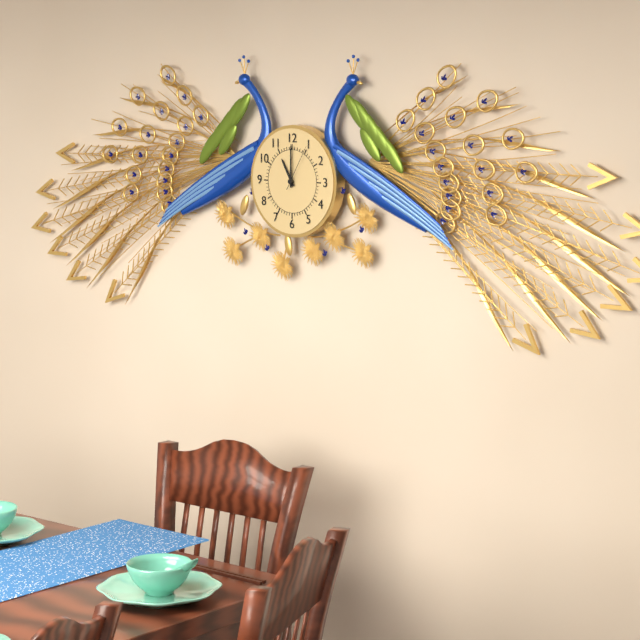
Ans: {"hour": 11, "minute": 0}
